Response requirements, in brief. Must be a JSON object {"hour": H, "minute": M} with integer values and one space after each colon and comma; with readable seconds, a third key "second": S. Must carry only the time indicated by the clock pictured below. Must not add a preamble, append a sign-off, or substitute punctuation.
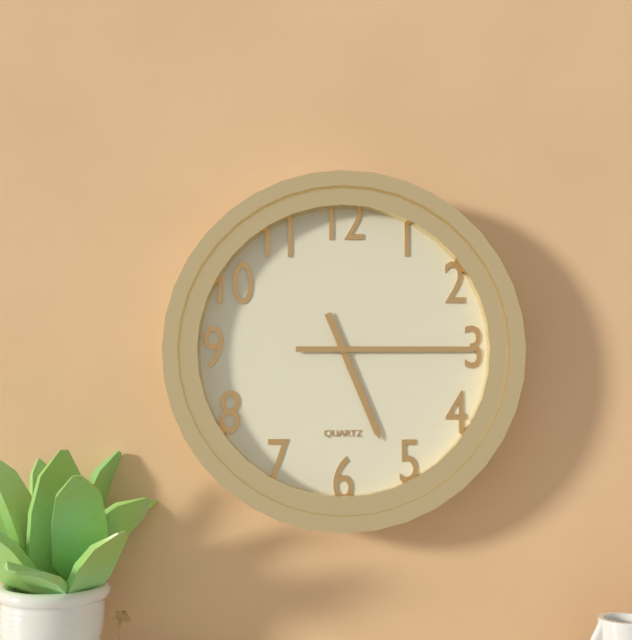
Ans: {"hour": 5, "minute": 15}
